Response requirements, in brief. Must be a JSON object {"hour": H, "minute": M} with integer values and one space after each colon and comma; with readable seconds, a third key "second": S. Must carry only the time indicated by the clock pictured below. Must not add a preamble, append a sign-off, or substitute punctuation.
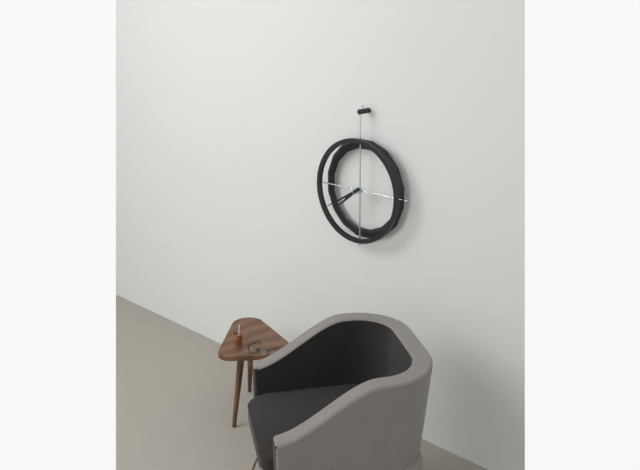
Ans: {"hour": 7, "minute": 40}
